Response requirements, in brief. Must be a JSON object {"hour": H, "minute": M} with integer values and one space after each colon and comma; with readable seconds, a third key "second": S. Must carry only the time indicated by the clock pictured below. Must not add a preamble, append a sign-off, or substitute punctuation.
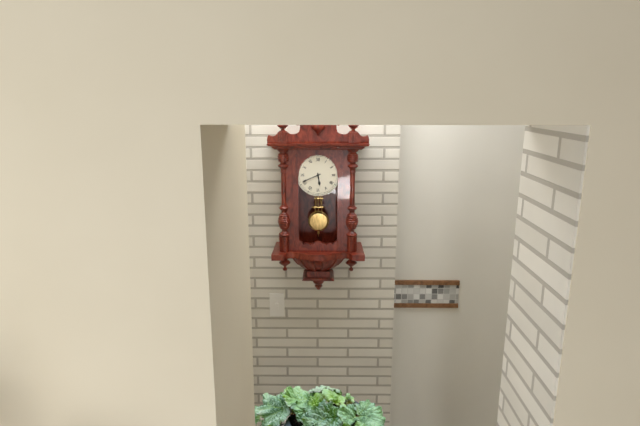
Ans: {"hour": 5, "minute": 41}
